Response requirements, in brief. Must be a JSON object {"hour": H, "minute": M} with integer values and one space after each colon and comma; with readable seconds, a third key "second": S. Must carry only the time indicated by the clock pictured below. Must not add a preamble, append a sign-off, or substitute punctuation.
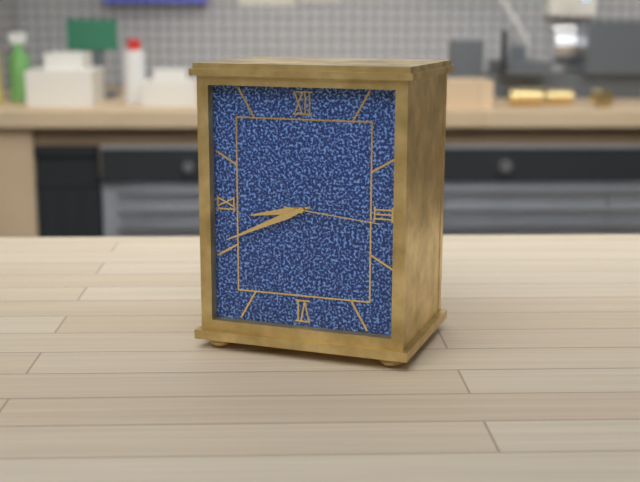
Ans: {"hour": 8, "minute": 41, "second": 16}
